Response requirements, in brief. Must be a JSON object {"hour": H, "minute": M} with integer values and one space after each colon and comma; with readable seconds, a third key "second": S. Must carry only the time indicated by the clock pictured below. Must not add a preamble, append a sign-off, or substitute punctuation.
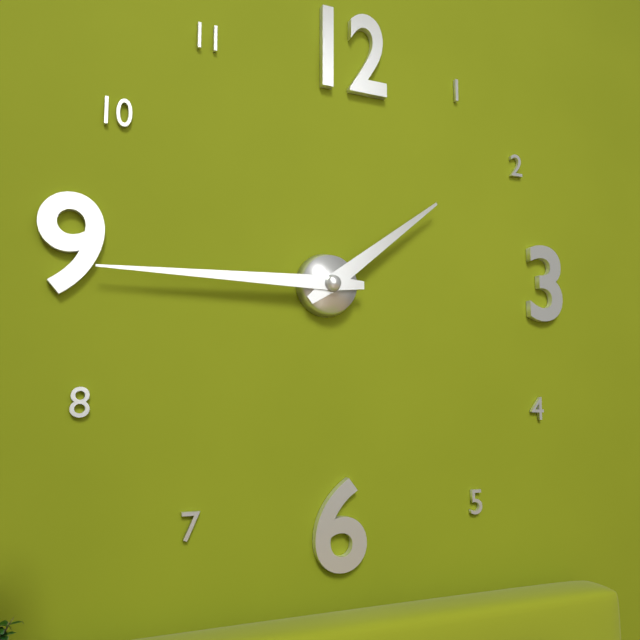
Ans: {"hour": 1, "minute": 45}
